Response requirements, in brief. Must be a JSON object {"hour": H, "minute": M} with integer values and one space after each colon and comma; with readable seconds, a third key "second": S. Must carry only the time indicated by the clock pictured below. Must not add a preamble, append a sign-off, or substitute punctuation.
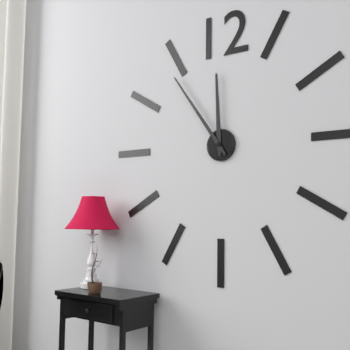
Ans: {"hour": 11, "minute": 54}
